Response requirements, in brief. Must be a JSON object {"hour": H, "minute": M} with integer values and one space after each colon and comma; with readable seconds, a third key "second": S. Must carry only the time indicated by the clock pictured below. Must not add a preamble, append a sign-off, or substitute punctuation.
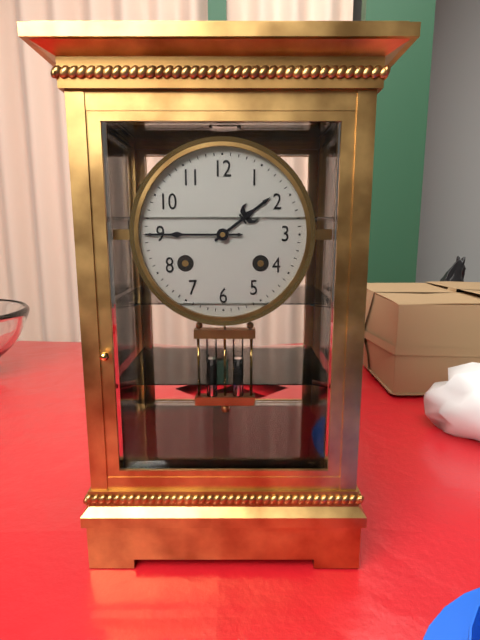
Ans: {"hour": 1, "minute": 45}
